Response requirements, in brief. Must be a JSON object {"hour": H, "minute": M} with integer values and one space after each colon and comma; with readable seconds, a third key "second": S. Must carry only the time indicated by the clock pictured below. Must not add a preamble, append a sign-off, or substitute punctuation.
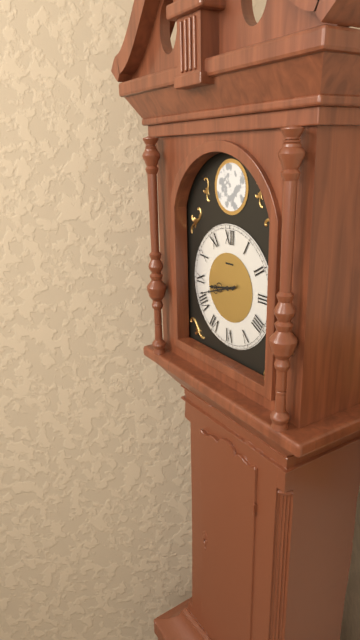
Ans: {"hour": 8, "minute": 42}
